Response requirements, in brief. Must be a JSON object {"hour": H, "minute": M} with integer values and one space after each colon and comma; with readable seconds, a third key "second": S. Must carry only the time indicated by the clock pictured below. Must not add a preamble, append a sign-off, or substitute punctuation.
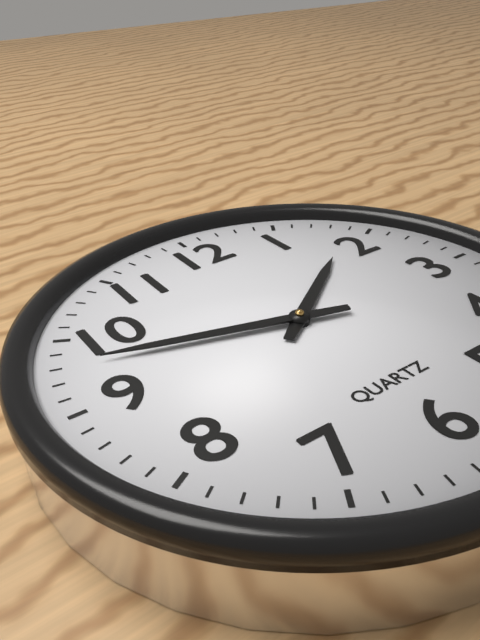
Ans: {"hour": 1, "minute": 48}
